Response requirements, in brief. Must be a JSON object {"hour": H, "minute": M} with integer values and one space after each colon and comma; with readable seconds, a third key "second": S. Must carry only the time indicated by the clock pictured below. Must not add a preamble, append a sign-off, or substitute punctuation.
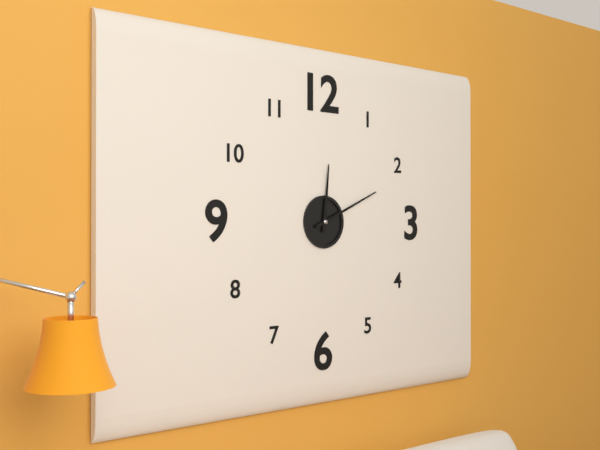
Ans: {"hour": 12, "minute": 11}
